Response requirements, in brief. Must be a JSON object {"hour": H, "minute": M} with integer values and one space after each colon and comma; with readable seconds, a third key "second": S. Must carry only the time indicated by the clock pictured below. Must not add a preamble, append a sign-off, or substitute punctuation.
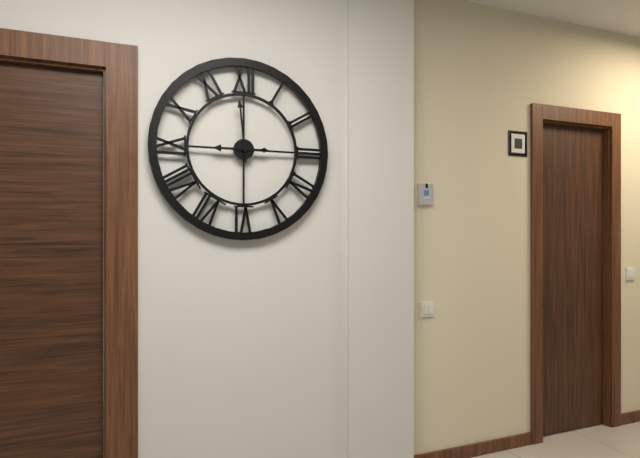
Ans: {"hour": 8, "minute": 59}
